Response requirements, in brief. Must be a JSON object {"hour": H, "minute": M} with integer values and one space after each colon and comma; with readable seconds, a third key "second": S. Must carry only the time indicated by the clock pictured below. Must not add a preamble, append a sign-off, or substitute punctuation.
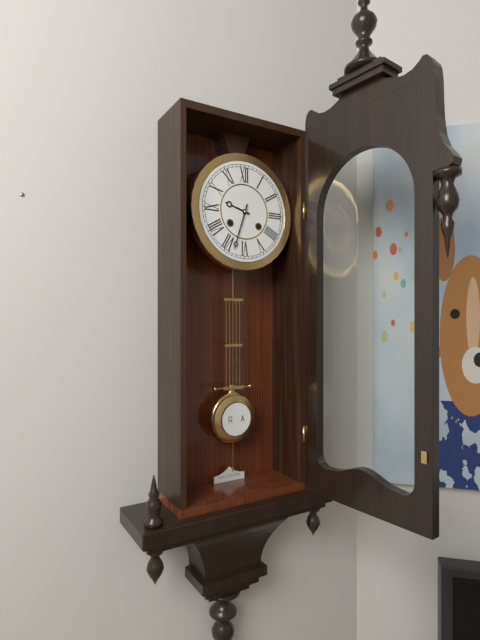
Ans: {"hour": 9, "minute": 33}
